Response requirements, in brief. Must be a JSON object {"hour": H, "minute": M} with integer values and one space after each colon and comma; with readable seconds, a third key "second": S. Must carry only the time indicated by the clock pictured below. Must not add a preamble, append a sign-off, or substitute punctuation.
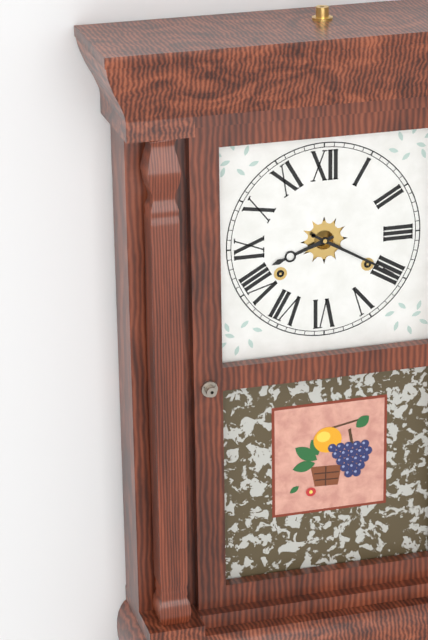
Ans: {"hour": 8, "minute": 20}
